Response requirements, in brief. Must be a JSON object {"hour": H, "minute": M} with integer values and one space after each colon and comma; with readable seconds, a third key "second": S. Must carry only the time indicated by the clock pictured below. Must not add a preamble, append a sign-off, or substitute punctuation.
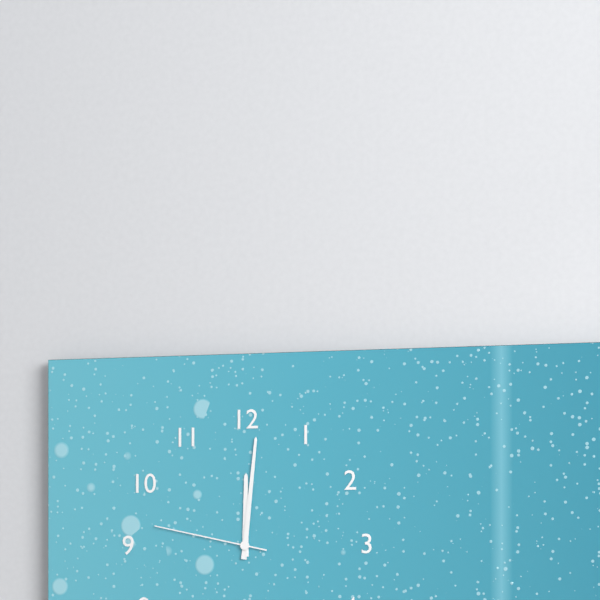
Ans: {"hour": 12, "minute": 1, "second": 47}
